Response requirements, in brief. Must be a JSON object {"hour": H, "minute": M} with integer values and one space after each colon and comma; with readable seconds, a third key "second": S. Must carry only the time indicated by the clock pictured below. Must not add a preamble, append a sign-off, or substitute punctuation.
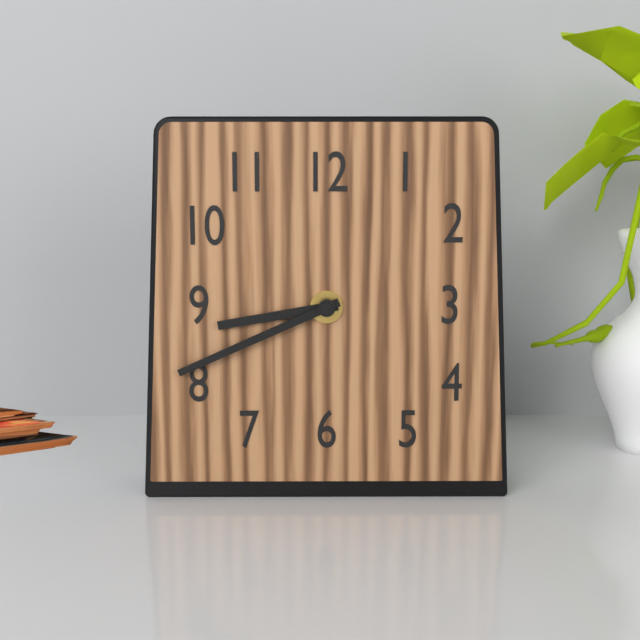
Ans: {"hour": 8, "minute": 41}
